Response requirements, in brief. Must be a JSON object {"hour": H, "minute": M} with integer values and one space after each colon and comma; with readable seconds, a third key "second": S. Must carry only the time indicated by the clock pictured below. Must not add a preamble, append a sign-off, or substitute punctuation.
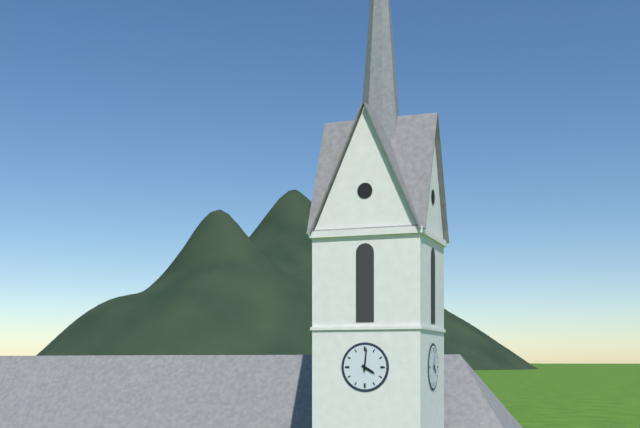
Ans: {"hour": 4, "minute": 1}
